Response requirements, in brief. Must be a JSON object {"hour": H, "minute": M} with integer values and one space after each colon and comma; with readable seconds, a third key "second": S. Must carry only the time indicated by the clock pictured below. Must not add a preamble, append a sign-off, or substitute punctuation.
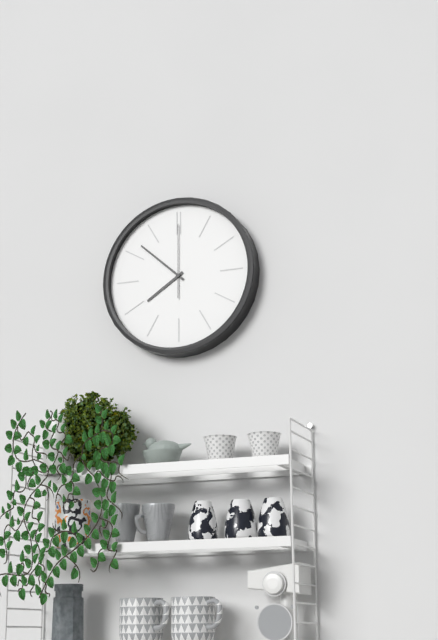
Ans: {"hour": 7, "minute": 52, "second": 0}
